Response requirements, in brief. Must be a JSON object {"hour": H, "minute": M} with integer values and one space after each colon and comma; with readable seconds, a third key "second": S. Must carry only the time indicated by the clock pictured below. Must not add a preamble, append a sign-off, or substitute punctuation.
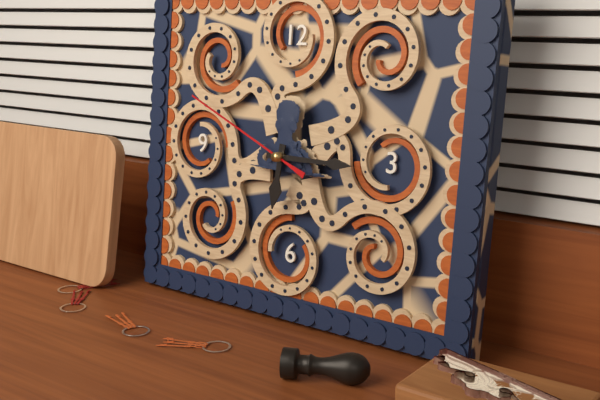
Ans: {"hour": 6, "minute": 15, "second": 49}
